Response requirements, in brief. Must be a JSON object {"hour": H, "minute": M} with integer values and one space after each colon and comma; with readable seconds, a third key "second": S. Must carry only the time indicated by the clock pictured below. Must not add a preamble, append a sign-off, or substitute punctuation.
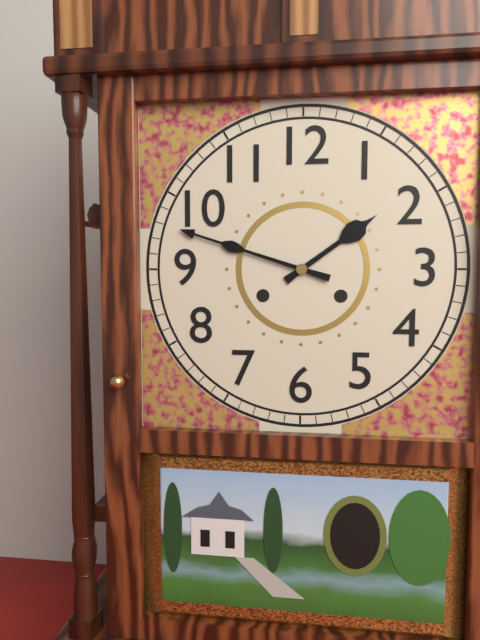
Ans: {"hour": 1, "minute": 48}
